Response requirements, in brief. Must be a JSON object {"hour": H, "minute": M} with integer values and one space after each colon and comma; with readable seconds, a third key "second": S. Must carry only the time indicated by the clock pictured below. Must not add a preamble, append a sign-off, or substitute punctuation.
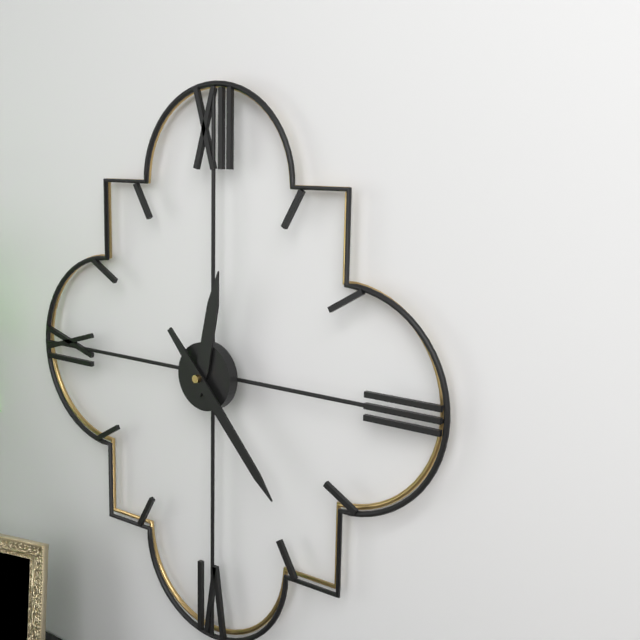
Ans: {"hour": 12, "minute": 23}
